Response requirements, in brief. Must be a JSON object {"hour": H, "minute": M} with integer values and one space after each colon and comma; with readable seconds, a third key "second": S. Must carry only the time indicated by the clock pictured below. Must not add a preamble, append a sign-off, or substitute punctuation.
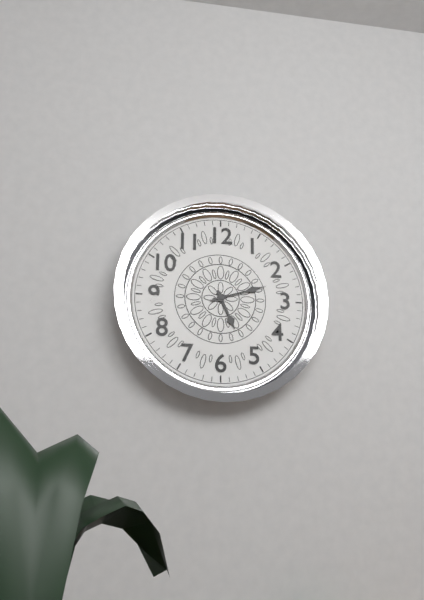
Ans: {"hour": 5, "minute": 12}
